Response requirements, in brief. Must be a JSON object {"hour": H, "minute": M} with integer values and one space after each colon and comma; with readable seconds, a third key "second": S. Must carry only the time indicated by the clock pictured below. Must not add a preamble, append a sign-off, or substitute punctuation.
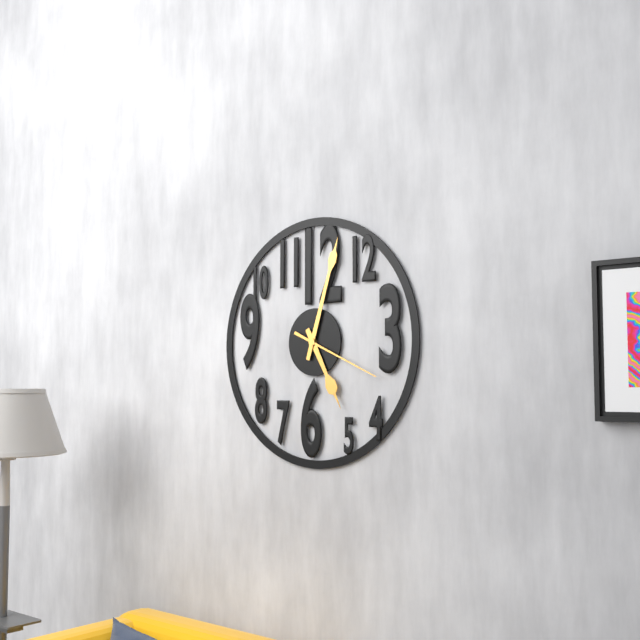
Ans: {"hour": 5, "minute": 3, "second": 19}
